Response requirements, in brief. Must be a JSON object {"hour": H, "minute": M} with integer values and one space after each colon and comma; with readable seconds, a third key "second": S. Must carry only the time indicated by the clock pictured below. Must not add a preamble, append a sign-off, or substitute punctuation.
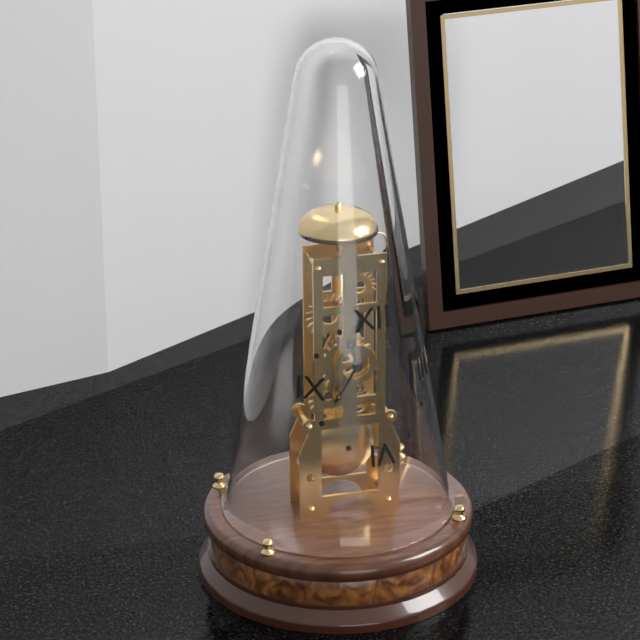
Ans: {"hour": 11, "minute": 35}
